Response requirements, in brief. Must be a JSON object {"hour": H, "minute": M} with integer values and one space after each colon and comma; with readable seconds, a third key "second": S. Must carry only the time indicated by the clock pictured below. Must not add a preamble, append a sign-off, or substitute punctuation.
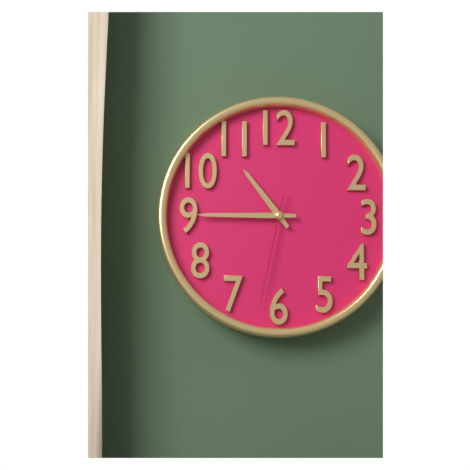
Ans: {"hour": 10, "minute": 45, "second": 32}
